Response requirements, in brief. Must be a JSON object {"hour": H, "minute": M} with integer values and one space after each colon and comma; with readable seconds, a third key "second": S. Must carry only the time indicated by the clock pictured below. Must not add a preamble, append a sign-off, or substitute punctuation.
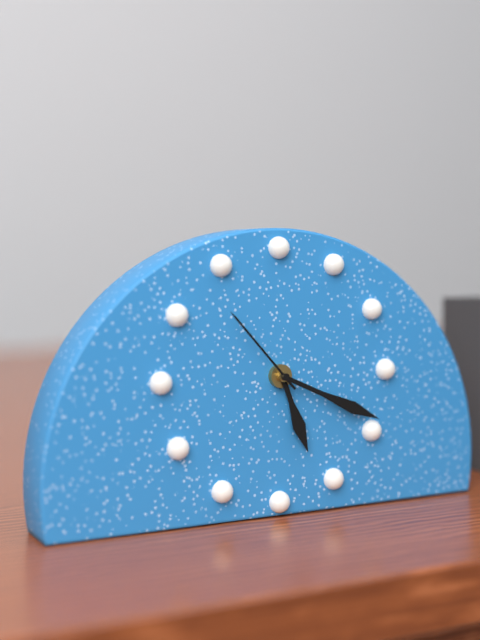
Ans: {"hour": 5, "minute": 19, "second": 53}
